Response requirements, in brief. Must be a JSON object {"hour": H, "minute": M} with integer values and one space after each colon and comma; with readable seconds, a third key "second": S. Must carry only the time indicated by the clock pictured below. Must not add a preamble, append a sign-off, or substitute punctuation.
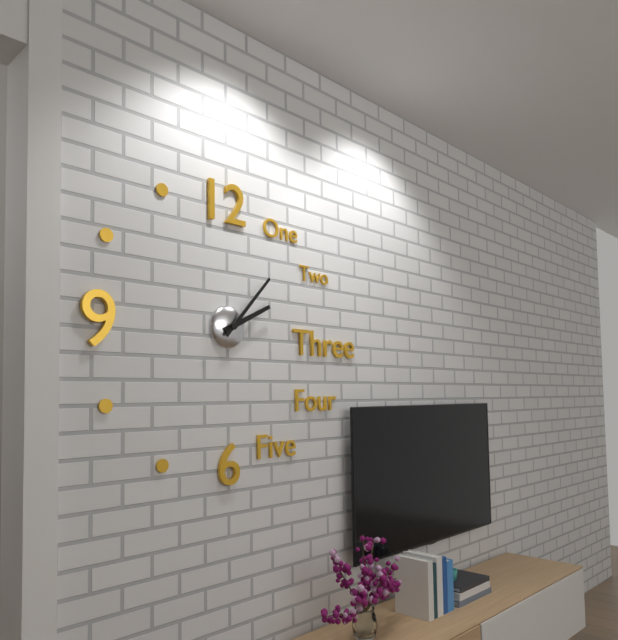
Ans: {"hour": 2, "minute": 7}
